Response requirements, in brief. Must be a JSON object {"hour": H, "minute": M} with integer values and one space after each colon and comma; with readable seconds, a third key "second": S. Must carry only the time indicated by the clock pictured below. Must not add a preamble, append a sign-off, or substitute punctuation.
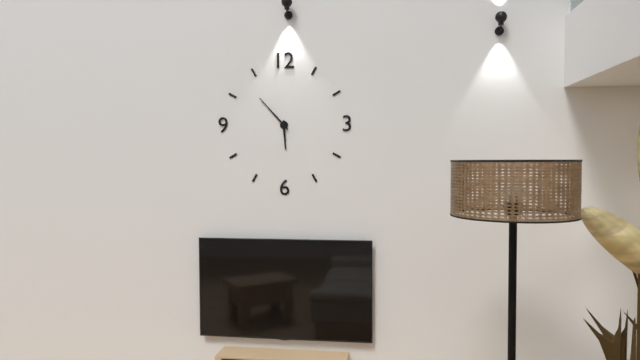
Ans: {"hour": 5, "minute": 53}
